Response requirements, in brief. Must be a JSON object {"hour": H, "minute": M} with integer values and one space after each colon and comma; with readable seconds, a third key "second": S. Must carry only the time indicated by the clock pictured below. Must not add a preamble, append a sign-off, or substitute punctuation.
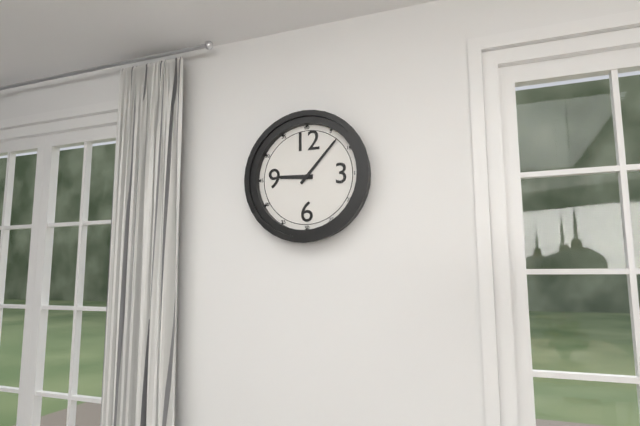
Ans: {"hour": 9, "minute": 7}
